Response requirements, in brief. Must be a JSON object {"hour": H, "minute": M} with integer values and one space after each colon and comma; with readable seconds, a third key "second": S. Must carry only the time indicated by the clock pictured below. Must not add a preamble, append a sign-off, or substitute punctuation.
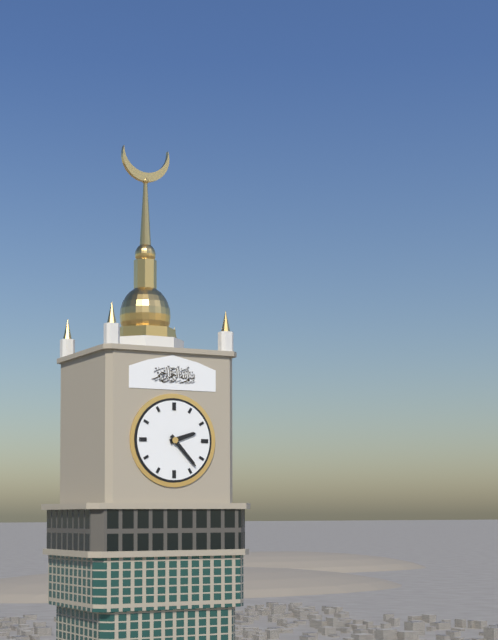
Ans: {"hour": 2, "minute": 23}
